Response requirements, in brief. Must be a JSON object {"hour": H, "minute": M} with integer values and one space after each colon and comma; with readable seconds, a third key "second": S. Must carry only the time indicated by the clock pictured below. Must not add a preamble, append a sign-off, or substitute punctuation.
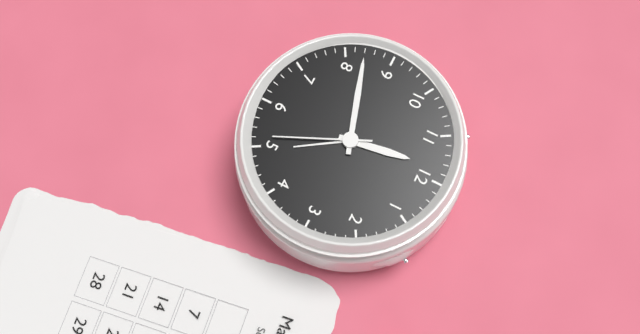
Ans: {"hour": 11, "minute": 42, "second": 26}
